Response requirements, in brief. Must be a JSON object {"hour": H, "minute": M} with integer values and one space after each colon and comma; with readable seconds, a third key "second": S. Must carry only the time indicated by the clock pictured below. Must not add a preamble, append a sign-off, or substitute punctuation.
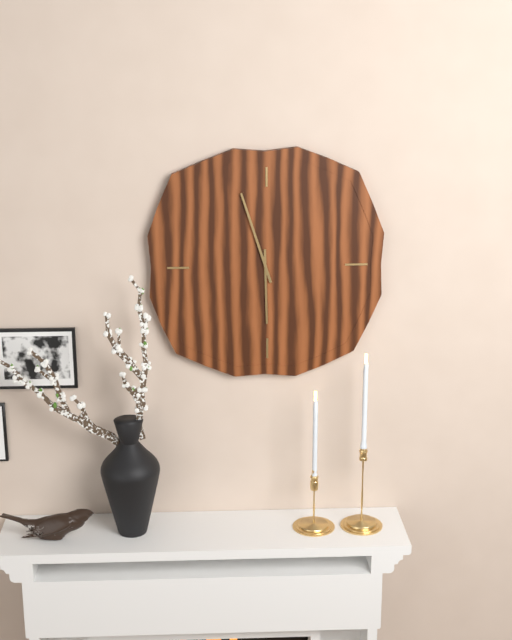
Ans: {"hour": 5, "minute": 57}
